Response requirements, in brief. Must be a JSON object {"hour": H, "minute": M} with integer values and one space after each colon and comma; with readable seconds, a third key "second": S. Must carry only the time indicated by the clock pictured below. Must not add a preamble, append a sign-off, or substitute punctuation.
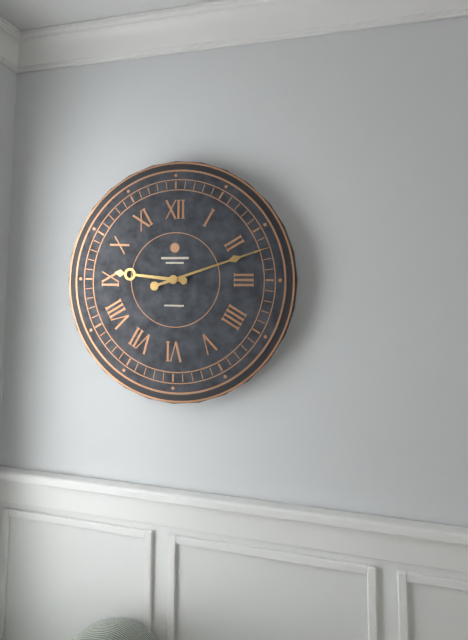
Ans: {"hour": 9, "minute": 12}
